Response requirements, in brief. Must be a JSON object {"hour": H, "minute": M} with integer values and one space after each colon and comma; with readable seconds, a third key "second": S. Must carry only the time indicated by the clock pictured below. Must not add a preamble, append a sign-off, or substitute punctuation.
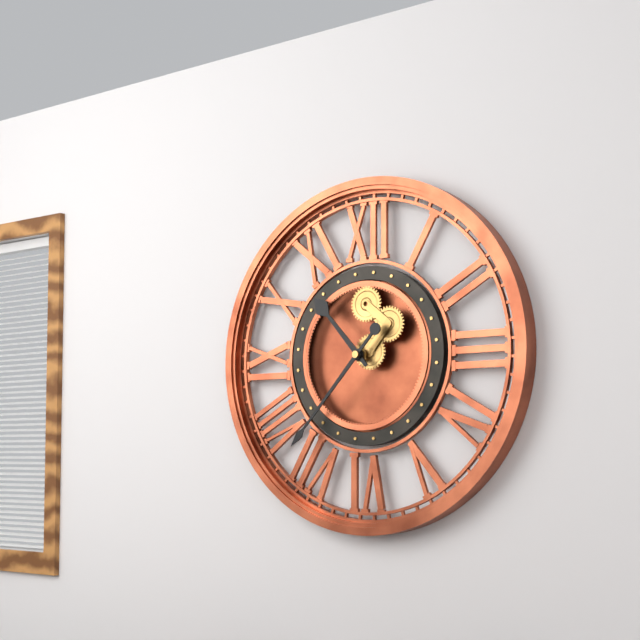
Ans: {"hour": 10, "minute": 37}
